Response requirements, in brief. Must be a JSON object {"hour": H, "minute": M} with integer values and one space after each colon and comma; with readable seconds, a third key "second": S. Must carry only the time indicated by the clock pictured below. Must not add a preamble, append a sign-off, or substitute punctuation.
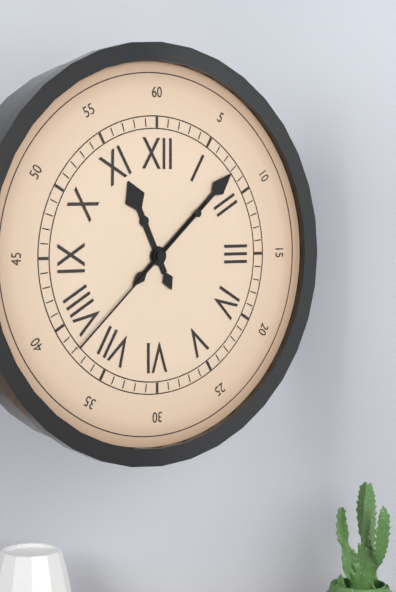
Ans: {"hour": 11, "minute": 8, "second": 38}
